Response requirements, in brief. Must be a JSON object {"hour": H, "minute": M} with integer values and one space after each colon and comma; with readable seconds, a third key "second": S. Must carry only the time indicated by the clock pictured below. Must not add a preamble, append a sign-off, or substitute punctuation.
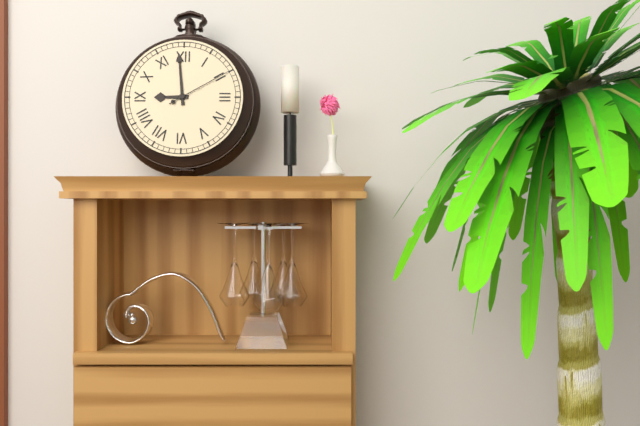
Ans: {"hour": 8, "minute": 59, "second": 10}
